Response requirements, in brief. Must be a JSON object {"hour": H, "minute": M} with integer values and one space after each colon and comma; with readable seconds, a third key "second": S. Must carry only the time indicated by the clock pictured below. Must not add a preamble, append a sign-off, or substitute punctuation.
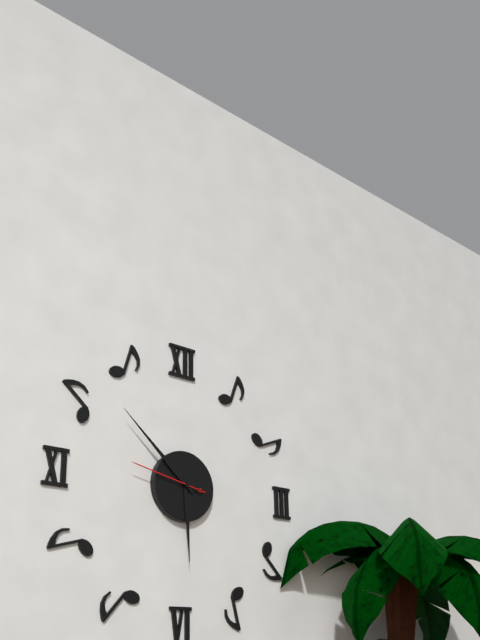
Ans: {"hour": 5, "minute": 52, "second": 47}
